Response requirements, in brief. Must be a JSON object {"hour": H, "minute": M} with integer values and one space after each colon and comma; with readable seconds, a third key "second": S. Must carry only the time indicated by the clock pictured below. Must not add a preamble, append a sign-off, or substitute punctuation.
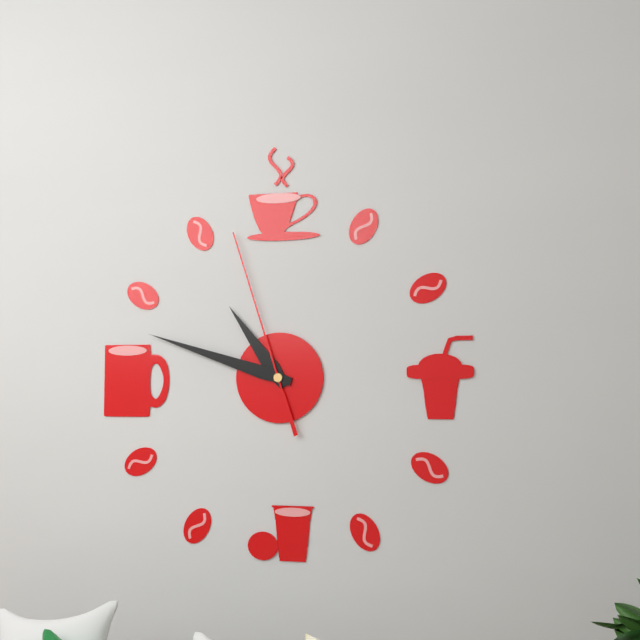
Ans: {"hour": 10, "minute": 48, "second": 57}
